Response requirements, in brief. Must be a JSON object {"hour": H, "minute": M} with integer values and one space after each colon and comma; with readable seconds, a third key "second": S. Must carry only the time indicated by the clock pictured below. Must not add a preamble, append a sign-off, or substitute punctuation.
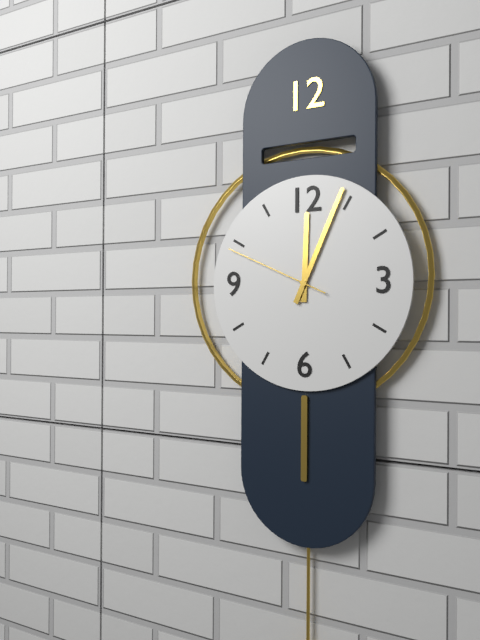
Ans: {"hour": 12, "minute": 4, "second": 49}
